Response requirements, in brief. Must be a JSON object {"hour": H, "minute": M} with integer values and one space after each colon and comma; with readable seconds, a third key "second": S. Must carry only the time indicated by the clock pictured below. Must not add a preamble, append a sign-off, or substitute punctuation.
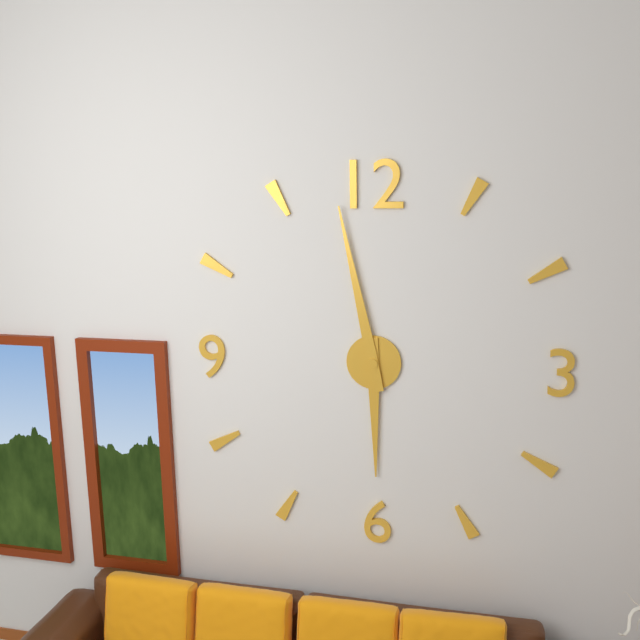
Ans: {"hour": 5, "minute": 58}
